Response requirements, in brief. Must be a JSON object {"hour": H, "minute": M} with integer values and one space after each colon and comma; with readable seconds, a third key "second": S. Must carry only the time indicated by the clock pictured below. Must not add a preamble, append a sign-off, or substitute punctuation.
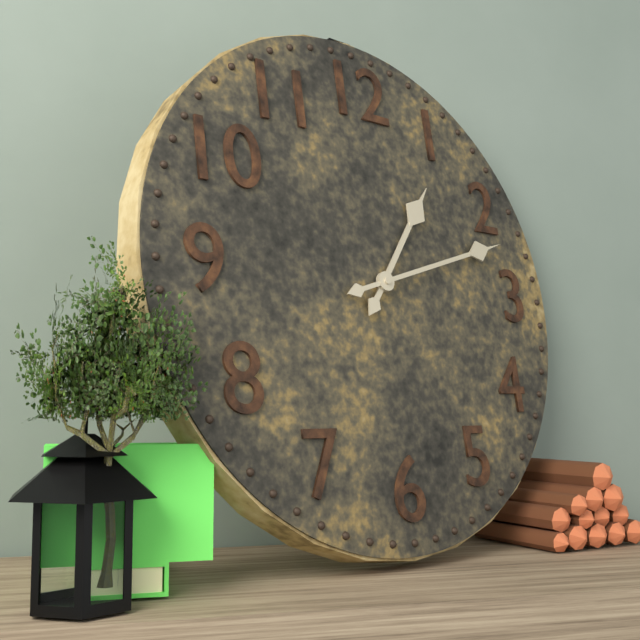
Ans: {"hour": 1, "minute": 12}
